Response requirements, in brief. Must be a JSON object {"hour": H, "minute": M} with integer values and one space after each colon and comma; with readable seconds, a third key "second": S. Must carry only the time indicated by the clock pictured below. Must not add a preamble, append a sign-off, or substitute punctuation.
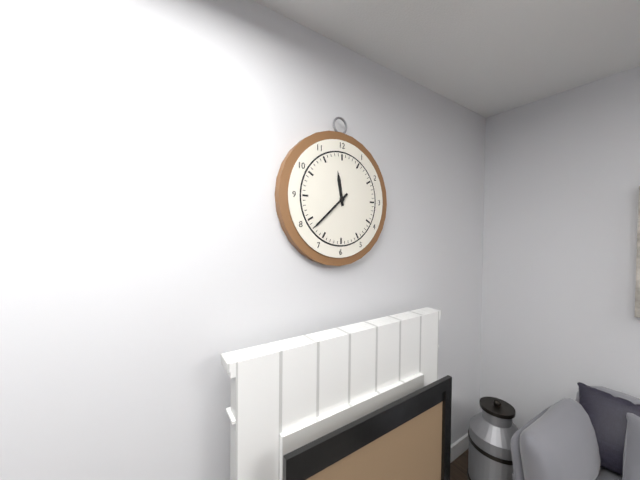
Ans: {"hour": 11, "minute": 38}
